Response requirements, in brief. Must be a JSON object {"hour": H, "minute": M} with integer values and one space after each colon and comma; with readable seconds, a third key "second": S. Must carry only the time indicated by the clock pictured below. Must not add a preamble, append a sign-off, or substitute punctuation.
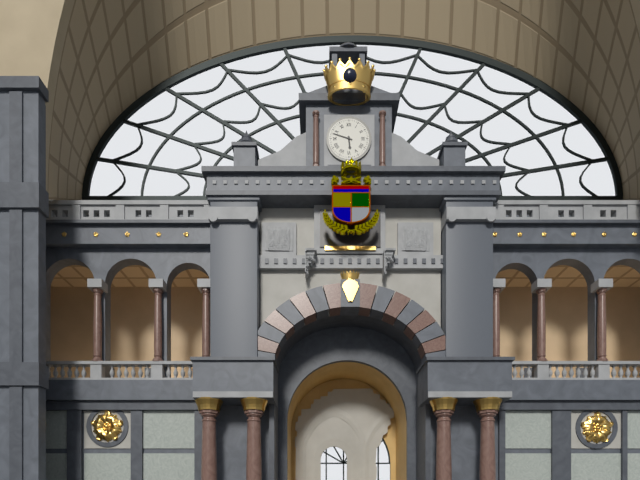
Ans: {"hour": 5, "minute": 48}
